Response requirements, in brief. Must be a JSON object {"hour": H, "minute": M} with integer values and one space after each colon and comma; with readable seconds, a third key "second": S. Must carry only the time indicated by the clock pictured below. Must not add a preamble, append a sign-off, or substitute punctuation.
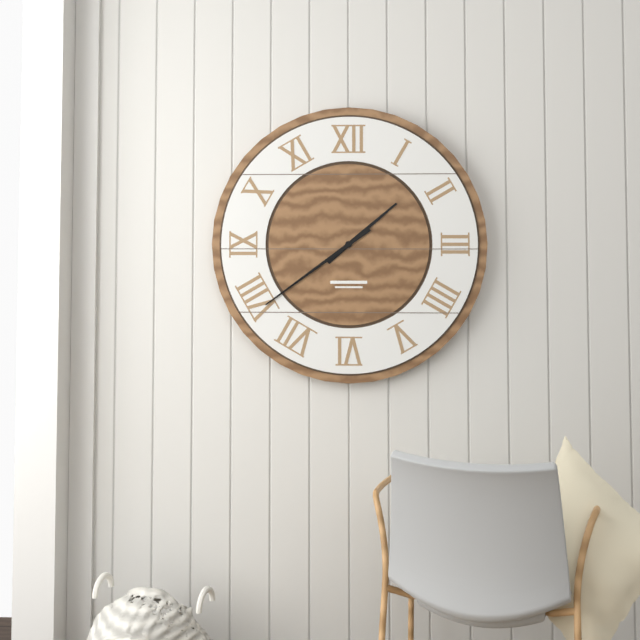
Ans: {"hour": 1, "minute": 39}
